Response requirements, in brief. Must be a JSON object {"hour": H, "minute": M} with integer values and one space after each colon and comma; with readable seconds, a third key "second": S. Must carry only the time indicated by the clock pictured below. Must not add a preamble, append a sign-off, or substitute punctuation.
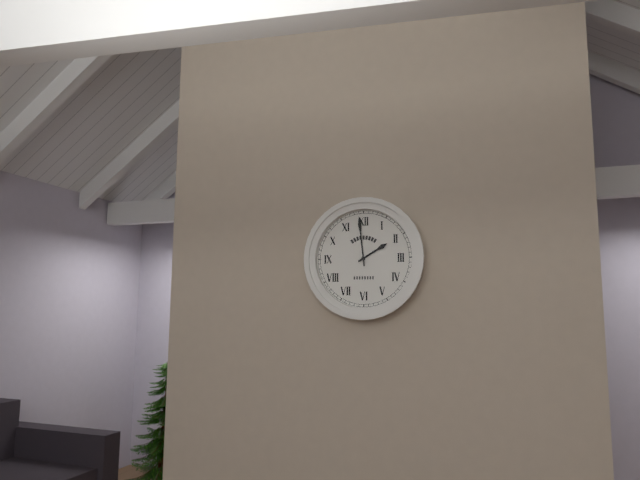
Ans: {"hour": 1, "minute": 59}
